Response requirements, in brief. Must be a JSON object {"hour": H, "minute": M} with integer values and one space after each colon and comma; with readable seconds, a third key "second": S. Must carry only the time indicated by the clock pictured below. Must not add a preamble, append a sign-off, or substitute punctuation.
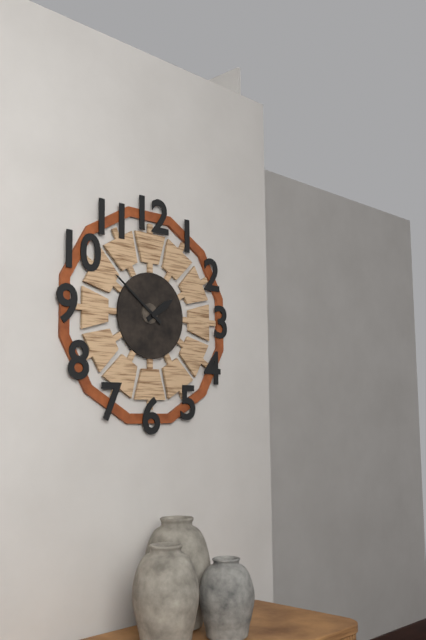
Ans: {"hour": 1, "minute": 51}
